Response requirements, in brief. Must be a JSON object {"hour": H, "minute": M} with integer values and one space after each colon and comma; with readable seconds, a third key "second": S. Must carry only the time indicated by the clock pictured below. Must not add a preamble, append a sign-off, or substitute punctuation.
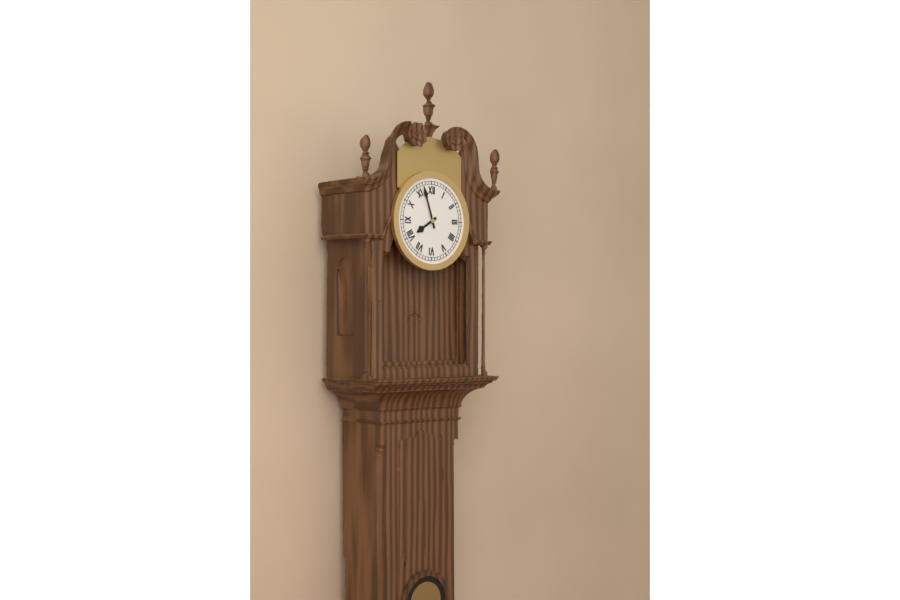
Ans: {"hour": 7, "minute": 57}
